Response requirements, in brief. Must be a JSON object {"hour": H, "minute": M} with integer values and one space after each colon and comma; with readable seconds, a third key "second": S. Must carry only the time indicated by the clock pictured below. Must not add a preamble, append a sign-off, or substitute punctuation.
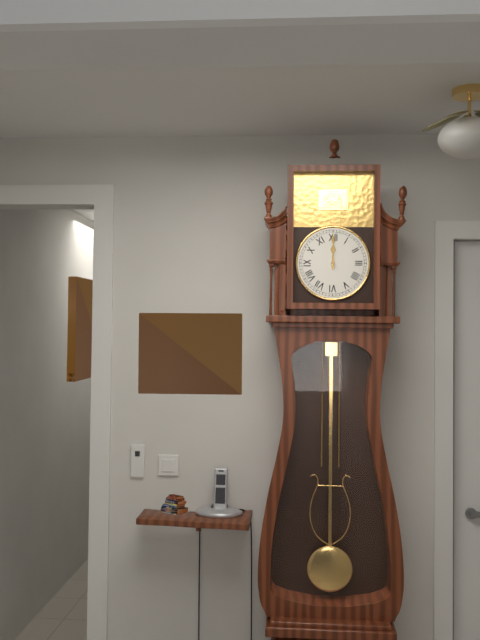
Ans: {"hour": 12, "minute": 0}
